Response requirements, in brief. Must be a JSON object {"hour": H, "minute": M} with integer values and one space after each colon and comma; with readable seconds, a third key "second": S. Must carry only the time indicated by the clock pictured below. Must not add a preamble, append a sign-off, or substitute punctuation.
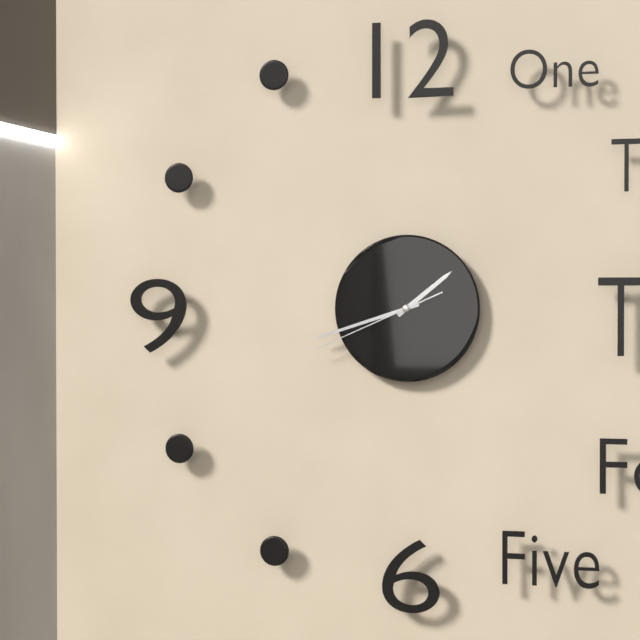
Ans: {"hour": 1, "minute": 42, "second": 41}
